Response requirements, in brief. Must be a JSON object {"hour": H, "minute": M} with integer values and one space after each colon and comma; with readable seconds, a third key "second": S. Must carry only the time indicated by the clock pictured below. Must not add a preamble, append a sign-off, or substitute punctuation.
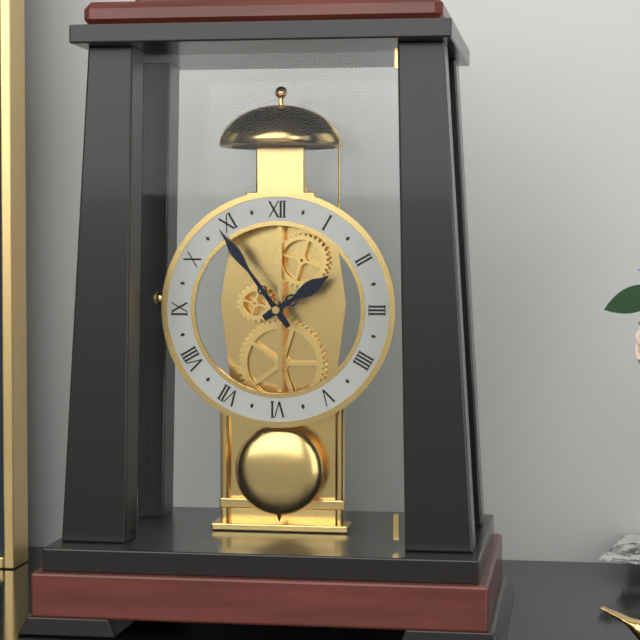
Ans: {"hour": 1, "minute": 54}
